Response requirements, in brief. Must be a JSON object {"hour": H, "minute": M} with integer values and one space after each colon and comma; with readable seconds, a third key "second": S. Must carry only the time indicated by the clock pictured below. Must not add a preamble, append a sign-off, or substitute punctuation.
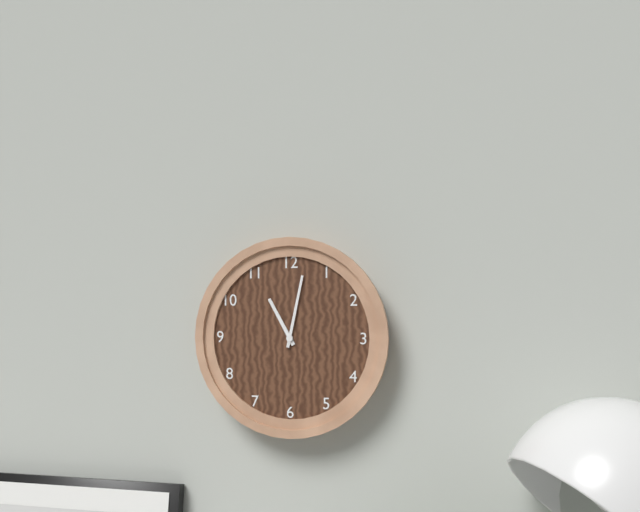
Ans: {"hour": 11, "minute": 2}
